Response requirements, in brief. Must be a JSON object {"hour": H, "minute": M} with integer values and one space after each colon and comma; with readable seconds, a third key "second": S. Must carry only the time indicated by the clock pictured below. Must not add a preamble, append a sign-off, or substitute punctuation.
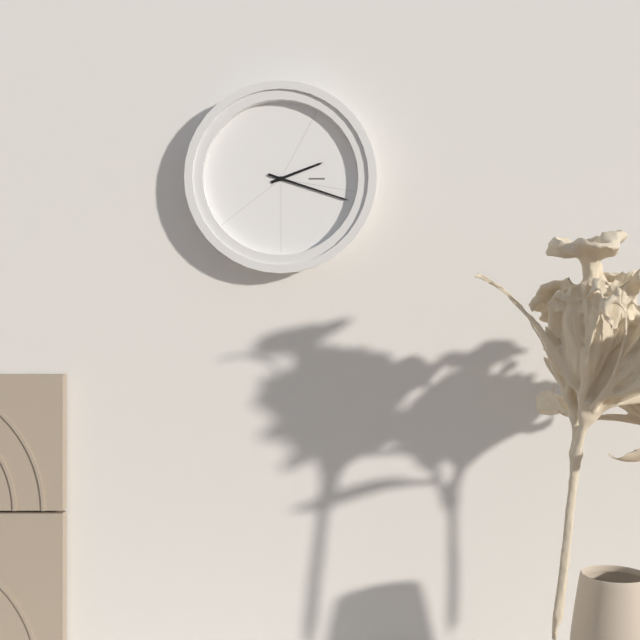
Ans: {"hour": 2, "minute": 18}
